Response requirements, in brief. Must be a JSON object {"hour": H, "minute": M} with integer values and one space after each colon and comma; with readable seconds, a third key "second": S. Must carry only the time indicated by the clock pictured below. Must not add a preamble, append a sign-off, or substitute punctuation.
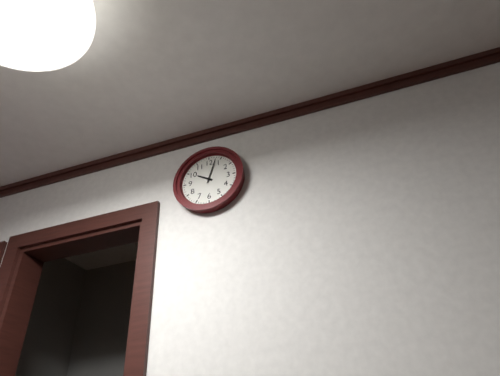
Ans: {"hour": 10, "minute": 3}
